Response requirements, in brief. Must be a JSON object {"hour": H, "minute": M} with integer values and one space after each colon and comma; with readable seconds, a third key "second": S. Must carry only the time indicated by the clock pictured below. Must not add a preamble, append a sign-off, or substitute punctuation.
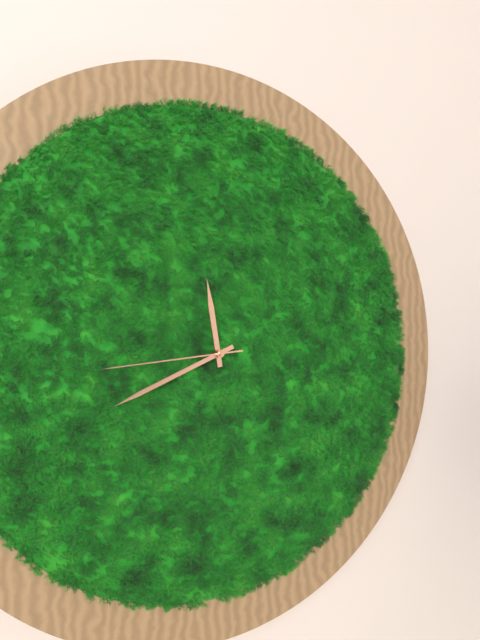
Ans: {"hour": 11, "minute": 41, "second": 44}
